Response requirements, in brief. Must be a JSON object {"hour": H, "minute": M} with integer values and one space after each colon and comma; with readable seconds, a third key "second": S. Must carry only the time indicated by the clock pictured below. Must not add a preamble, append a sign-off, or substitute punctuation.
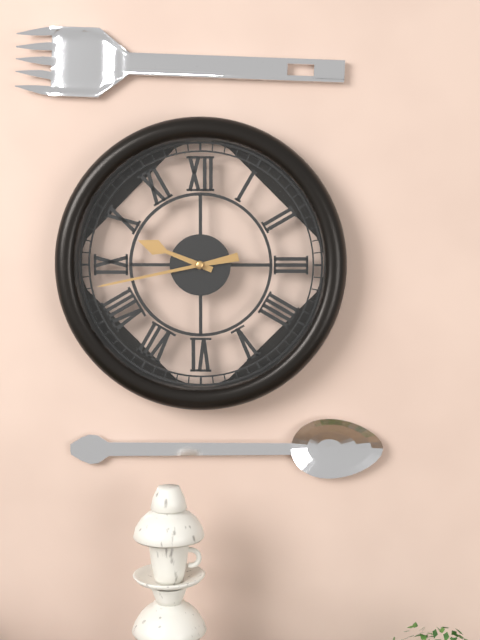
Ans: {"hour": 9, "minute": 43}
